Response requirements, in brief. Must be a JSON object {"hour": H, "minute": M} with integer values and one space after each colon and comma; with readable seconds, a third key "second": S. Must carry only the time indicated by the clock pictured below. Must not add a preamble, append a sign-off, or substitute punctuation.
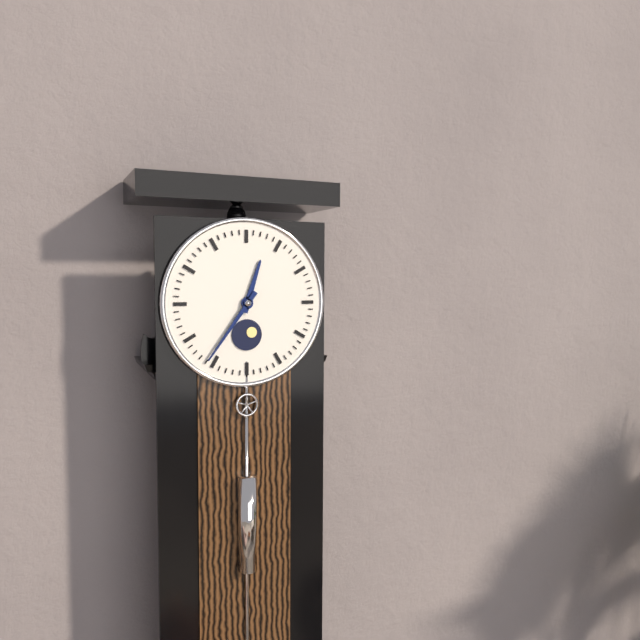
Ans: {"hour": 12, "minute": 36}
